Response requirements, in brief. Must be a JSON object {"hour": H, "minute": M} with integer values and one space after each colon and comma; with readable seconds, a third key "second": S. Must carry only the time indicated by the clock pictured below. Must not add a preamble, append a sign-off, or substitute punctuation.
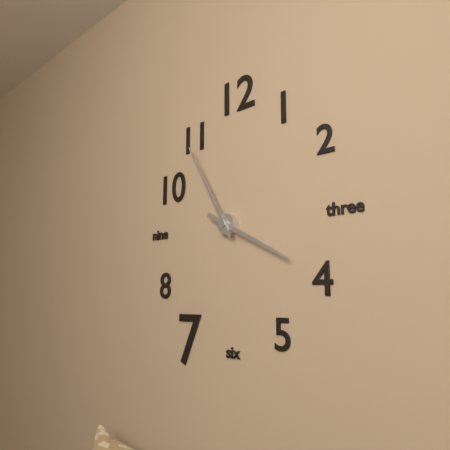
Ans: {"hour": 3, "minute": 55}
